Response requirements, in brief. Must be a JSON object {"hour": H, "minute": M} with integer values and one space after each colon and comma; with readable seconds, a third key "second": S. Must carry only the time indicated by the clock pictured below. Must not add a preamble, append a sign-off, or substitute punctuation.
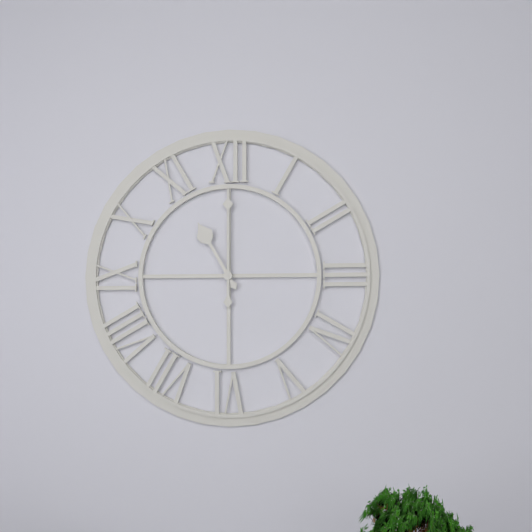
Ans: {"hour": 11, "minute": 0}
